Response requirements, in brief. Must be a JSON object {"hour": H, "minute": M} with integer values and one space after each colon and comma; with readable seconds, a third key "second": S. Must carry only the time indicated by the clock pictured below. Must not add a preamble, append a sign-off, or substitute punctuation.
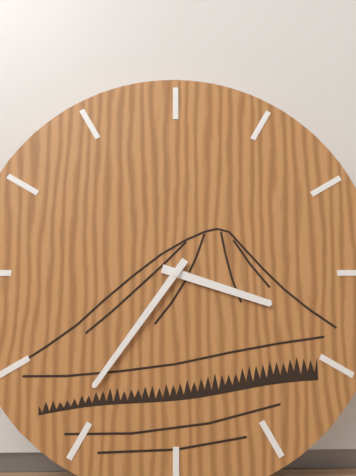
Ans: {"hour": 3, "minute": 36}
